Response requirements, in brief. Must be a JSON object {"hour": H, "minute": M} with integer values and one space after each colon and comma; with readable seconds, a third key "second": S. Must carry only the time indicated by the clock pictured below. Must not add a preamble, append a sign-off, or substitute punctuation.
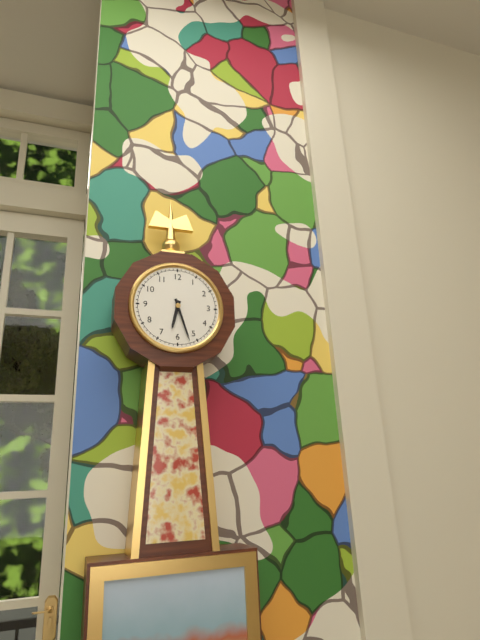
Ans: {"hour": 6, "minute": 27}
